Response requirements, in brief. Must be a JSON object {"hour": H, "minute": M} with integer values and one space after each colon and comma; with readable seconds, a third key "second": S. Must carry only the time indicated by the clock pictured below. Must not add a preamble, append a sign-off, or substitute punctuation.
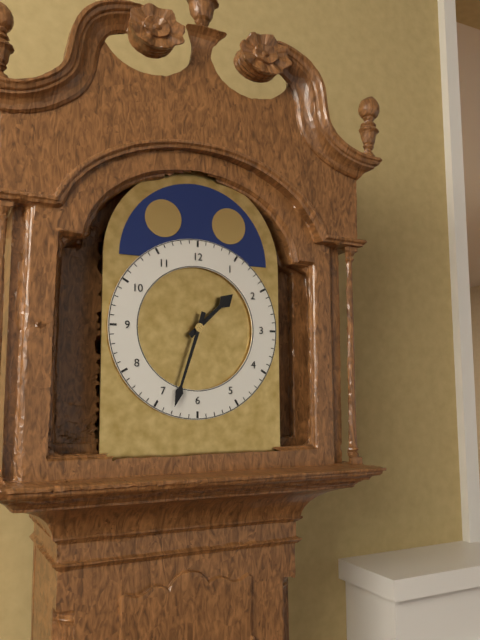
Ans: {"hour": 1, "minute": 33}
